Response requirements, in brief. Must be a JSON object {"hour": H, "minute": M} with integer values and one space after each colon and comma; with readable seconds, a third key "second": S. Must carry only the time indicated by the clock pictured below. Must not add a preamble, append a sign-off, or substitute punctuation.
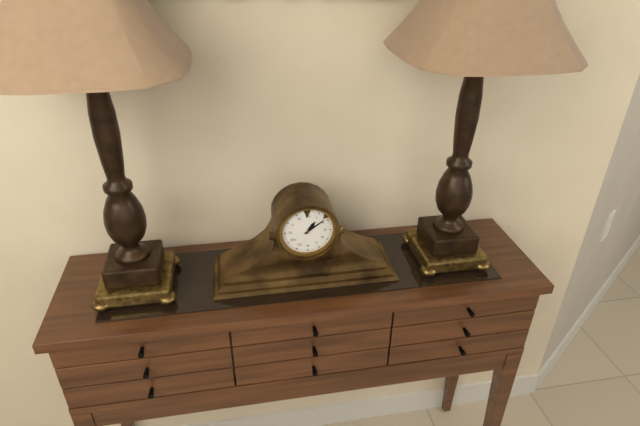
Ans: {"hour": 1, "minute": 9}
